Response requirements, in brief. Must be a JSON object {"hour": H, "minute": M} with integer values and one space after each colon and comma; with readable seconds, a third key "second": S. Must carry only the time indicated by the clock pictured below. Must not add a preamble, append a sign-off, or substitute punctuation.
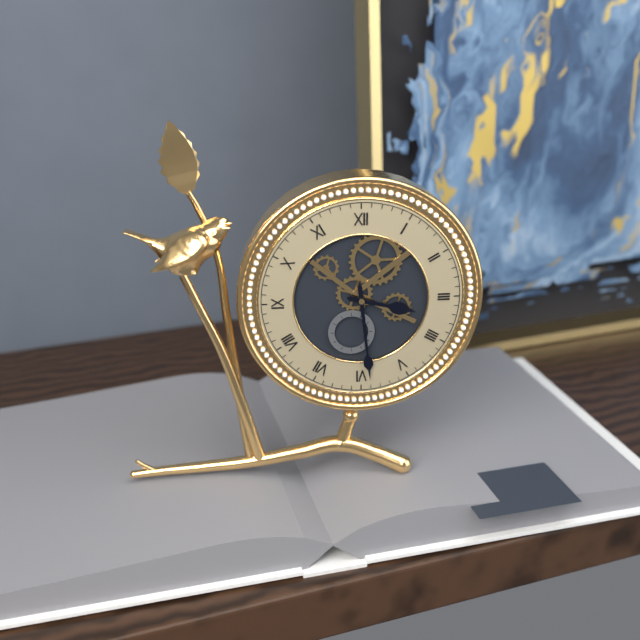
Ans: {"hour": 3, "minute": 29}
